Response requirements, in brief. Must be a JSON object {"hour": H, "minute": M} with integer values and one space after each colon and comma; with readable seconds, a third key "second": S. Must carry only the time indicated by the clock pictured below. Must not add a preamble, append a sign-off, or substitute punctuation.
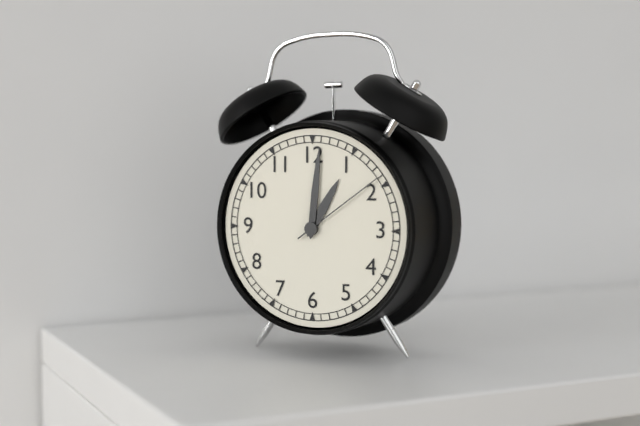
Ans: {"hour": 1, "minute": 1, "second": 9}
